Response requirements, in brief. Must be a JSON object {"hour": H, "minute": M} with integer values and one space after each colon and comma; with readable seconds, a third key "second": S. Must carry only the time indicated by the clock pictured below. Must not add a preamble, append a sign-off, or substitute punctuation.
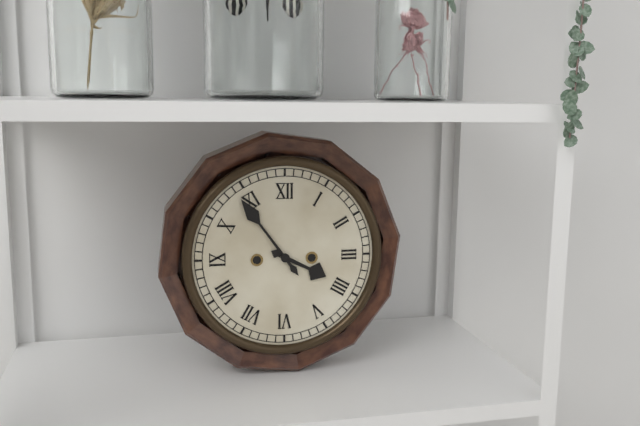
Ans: {"hour": 3, "minute": 54}
